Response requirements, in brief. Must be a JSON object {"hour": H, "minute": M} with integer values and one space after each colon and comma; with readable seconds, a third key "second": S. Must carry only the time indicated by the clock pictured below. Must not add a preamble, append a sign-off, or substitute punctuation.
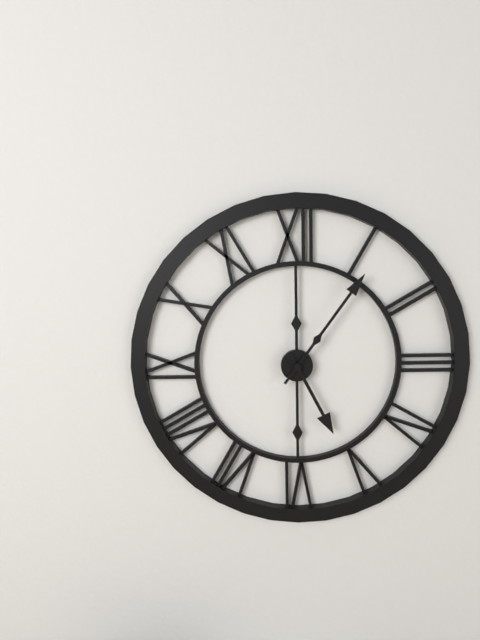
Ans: {"hour": 5, "minute": 6}
